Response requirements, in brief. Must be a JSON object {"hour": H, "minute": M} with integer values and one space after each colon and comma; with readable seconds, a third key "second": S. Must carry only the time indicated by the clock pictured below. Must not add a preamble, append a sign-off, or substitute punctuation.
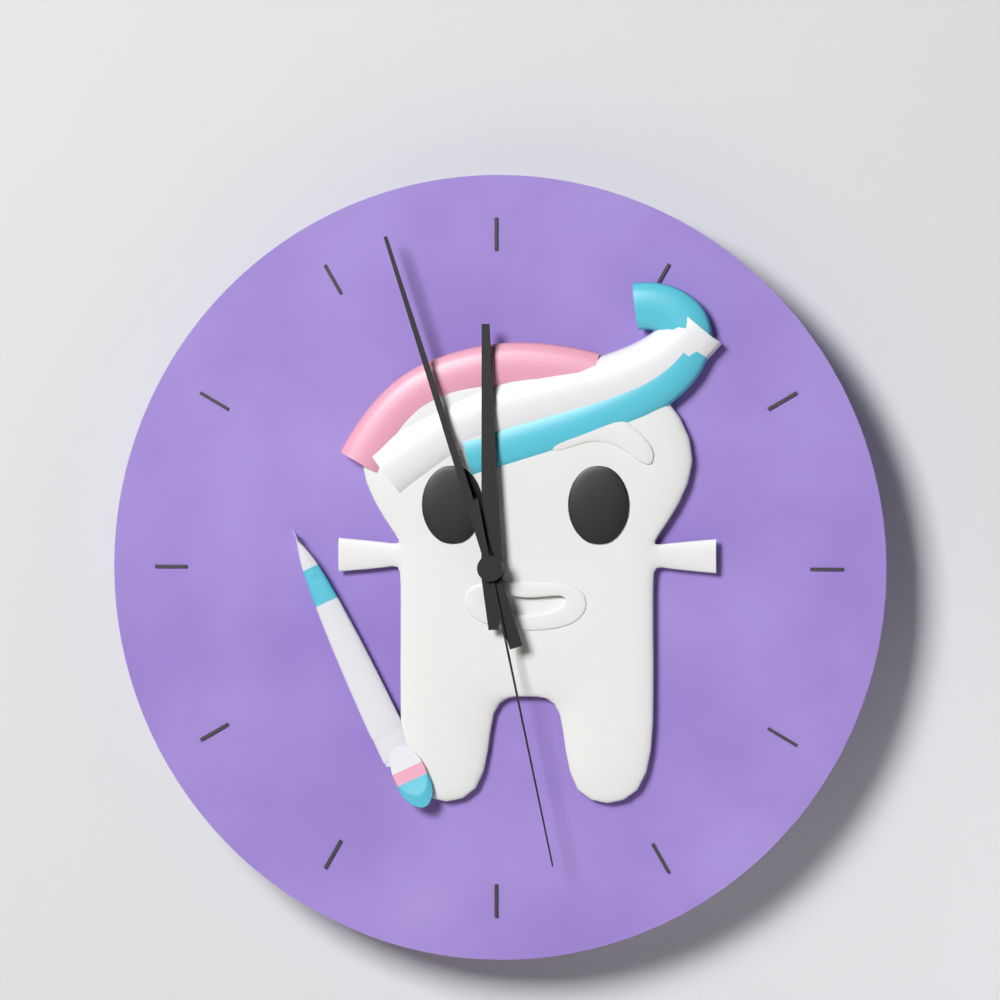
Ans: {"hour": 11, "minute": 57, "second": 28}
